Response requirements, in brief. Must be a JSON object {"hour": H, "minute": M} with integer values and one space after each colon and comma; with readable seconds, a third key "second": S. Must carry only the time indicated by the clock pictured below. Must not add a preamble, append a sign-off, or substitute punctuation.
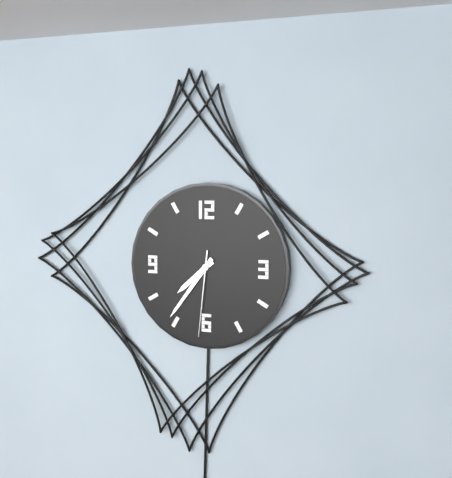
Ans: {"hour": 7, "minute": 36, "second": 31}
